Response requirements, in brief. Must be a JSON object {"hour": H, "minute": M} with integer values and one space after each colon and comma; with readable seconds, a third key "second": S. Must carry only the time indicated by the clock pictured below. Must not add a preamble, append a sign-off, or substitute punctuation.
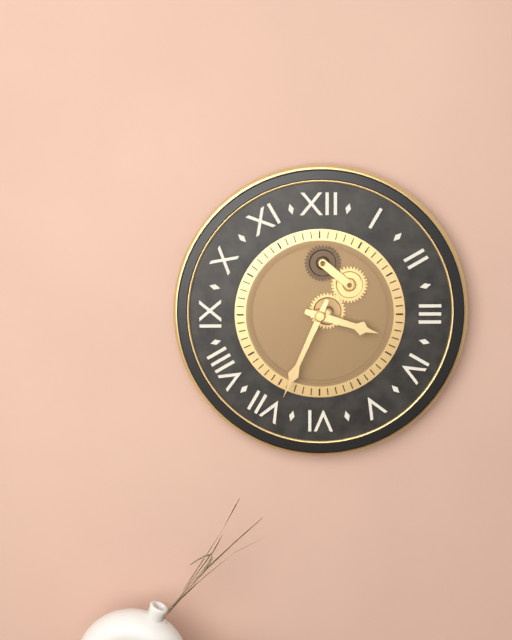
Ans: {"hour": 3, "minute": 34}
